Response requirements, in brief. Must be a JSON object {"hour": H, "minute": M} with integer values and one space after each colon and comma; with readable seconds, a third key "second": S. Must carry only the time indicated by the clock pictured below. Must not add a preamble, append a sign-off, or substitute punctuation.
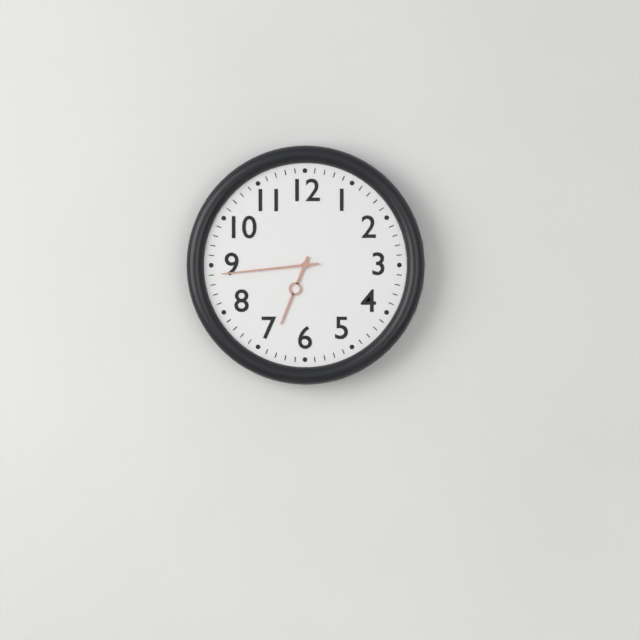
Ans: {"hour": 6, "minute": 44}
